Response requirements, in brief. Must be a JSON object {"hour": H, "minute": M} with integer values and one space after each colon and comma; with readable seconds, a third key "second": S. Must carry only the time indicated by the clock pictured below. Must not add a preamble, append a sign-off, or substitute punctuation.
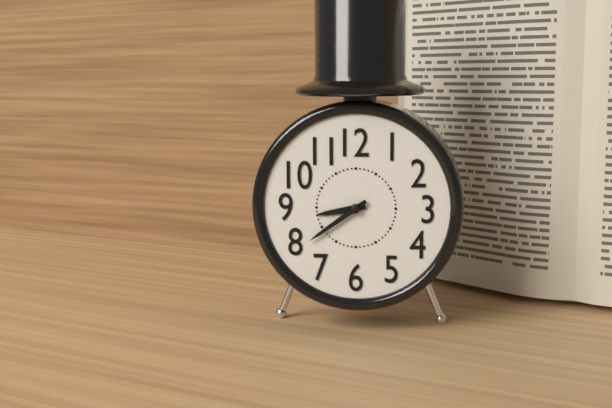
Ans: {"hour": 8, "minute": 39}
